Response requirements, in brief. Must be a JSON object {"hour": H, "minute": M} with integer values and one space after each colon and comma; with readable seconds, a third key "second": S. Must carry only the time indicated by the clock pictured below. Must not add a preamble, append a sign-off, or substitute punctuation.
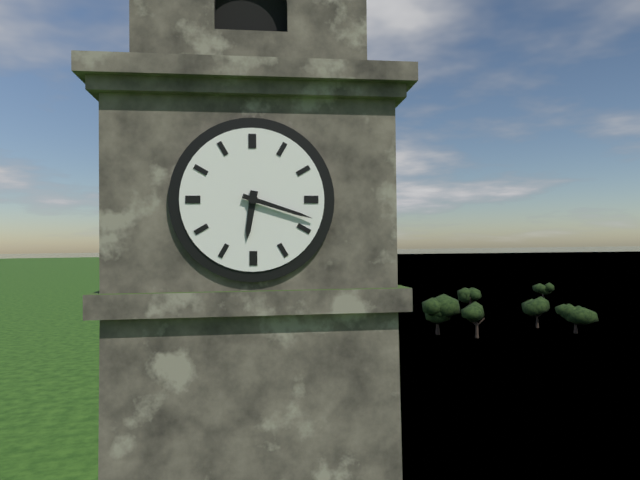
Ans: {"hour": 6, "minute": 18}
